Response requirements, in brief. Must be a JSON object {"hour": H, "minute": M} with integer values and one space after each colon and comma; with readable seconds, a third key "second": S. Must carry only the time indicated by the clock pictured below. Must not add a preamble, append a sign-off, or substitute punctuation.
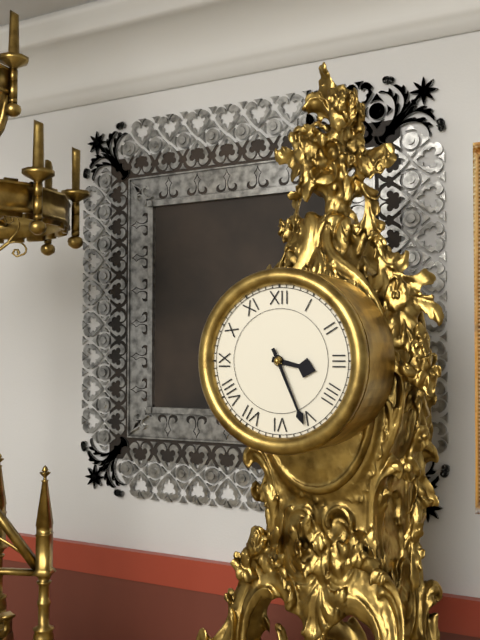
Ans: {"hour": 3, "minute": 26}
